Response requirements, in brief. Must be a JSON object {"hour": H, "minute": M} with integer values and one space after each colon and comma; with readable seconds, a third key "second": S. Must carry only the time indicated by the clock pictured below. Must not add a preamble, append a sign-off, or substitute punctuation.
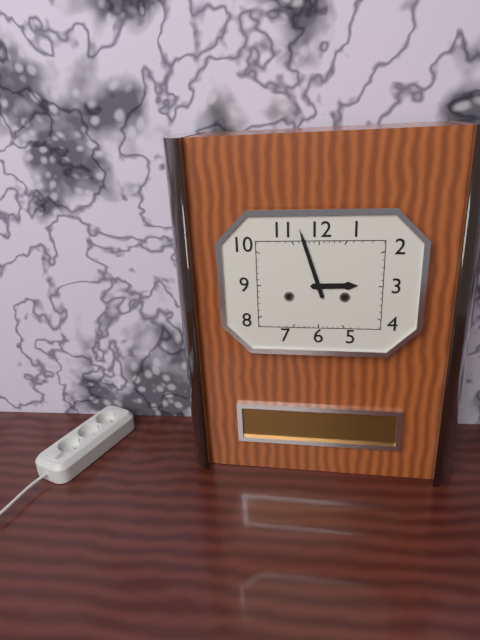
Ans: {"hour": 2, "minute": 57}
